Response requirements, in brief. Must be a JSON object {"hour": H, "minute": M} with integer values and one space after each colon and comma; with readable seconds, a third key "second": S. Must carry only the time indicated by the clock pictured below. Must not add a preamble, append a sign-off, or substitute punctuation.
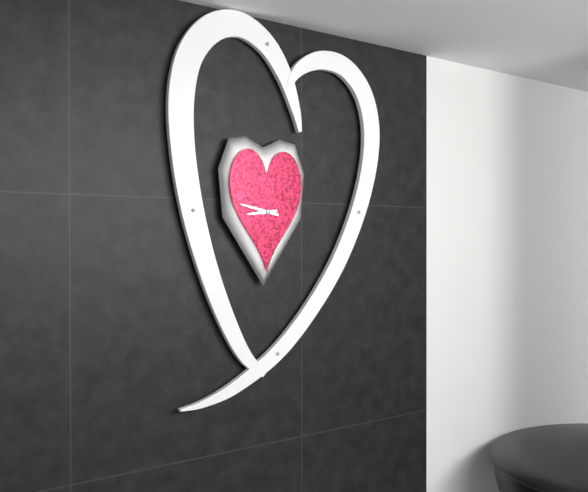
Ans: {"hour": 8, "minute": 47}
